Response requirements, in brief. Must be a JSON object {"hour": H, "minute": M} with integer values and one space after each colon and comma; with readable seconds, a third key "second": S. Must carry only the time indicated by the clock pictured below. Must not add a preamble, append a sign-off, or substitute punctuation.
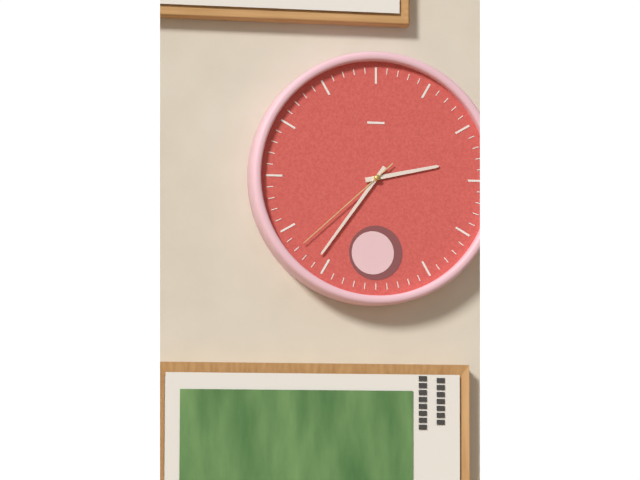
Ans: {"hour": 2, "minute": 36, "second": 38}
